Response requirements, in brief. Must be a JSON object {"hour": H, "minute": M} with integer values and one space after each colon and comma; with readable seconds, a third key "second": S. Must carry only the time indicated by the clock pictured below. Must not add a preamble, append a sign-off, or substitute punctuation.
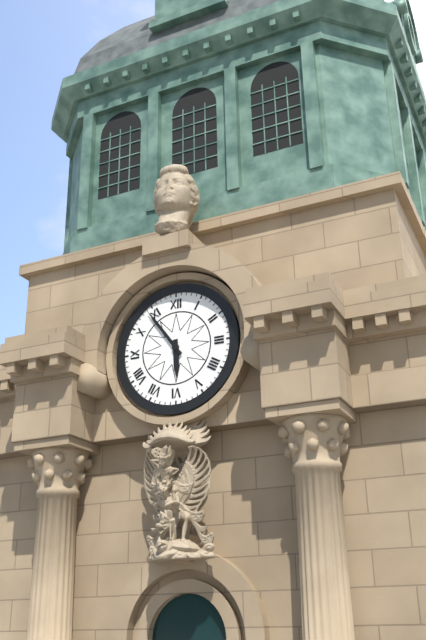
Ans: {"hour": 5, "minute": 54}
